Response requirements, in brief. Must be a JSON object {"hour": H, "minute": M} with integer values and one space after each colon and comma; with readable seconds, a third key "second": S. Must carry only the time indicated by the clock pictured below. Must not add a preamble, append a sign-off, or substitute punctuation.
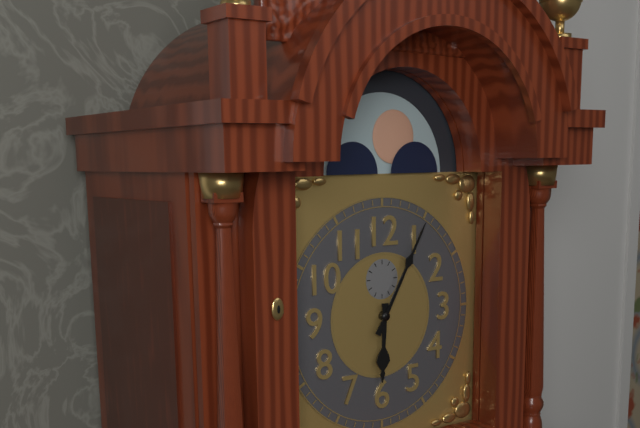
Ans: {"hour": 6, "minute": 5}
